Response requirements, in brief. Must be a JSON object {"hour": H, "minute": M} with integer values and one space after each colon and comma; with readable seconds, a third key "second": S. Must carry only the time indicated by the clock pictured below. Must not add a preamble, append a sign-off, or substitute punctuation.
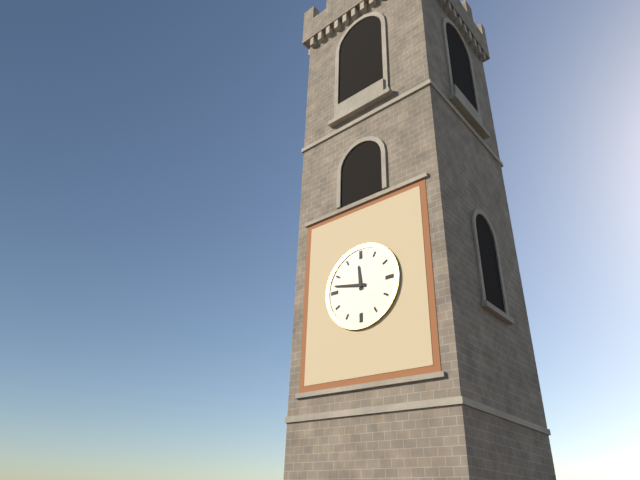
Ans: {"hour": 11, "minute": 47}
